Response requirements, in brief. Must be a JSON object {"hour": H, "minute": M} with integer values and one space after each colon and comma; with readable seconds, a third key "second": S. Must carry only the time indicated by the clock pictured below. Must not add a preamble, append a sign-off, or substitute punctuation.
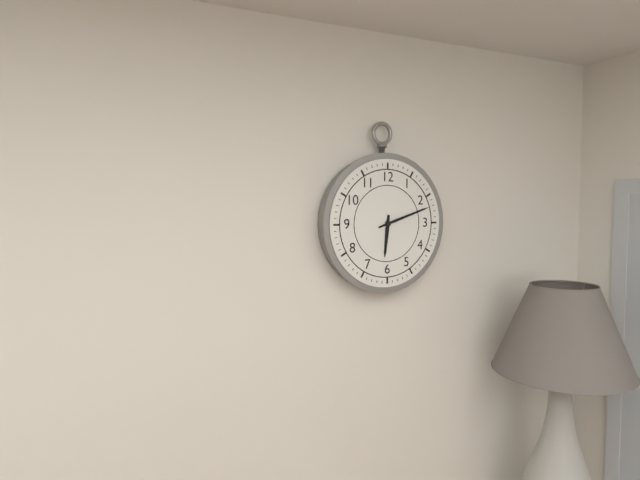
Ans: {"hour": 6, "minute": 12}
